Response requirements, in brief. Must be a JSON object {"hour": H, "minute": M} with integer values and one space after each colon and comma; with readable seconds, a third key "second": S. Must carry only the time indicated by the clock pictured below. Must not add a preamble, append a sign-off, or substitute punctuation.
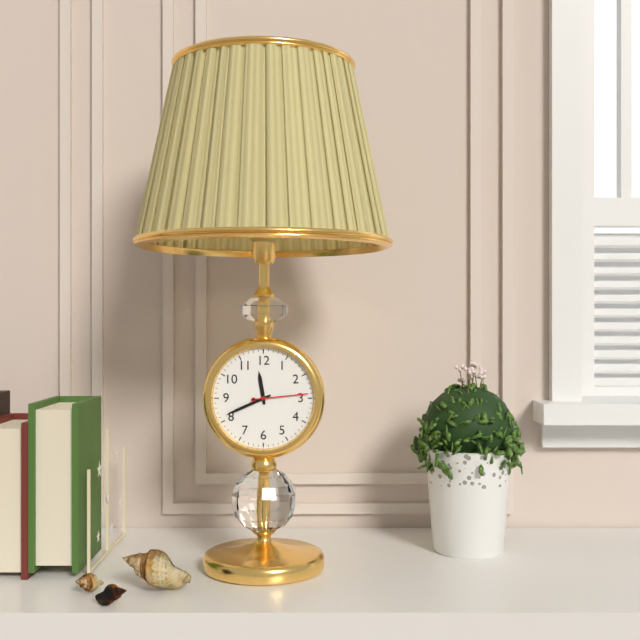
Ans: {"hour": 11, "minute": 41, "second": 14}
